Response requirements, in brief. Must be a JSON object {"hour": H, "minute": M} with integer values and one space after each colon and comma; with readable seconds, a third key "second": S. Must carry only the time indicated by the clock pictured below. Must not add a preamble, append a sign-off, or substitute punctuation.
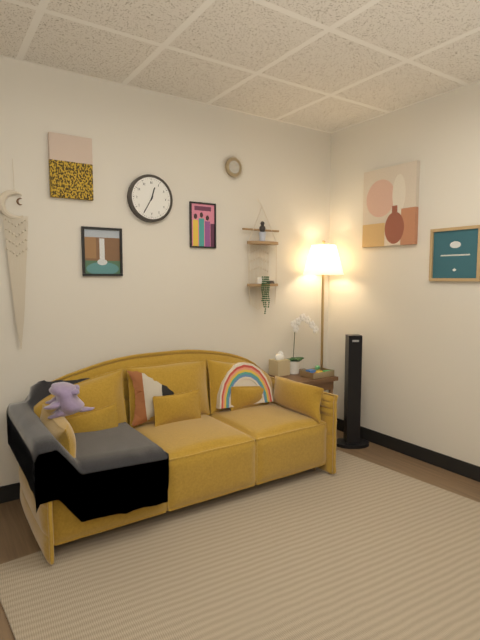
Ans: {"hour": 12, "minute": 35}
